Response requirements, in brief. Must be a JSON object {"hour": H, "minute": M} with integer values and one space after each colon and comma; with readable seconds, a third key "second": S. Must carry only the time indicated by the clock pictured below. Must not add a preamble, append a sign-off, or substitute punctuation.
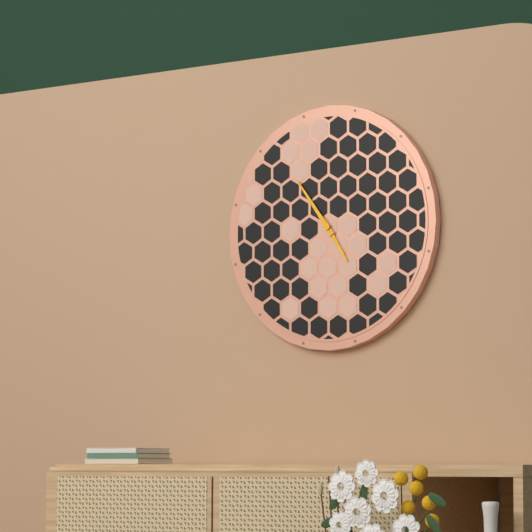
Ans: {"hour": 4, "minute": 54}
